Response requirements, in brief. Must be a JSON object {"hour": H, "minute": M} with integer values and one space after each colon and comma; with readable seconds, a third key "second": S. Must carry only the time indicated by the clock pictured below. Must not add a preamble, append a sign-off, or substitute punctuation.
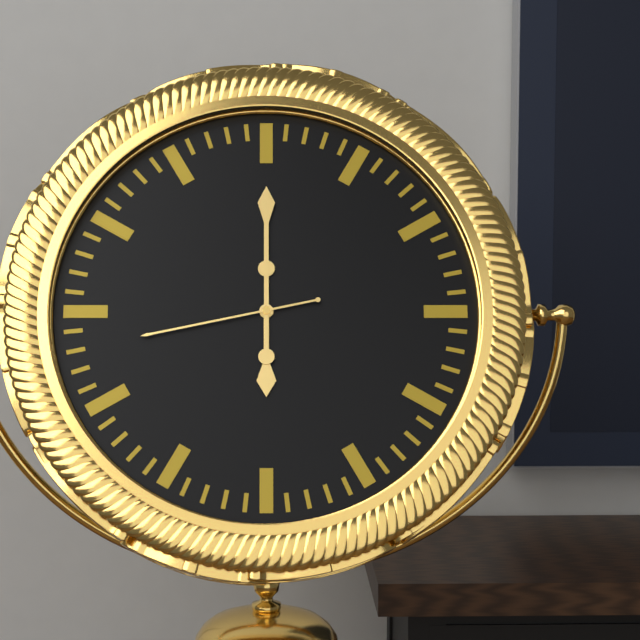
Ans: {"hour": 6, "minute": 0, "second": 43}
